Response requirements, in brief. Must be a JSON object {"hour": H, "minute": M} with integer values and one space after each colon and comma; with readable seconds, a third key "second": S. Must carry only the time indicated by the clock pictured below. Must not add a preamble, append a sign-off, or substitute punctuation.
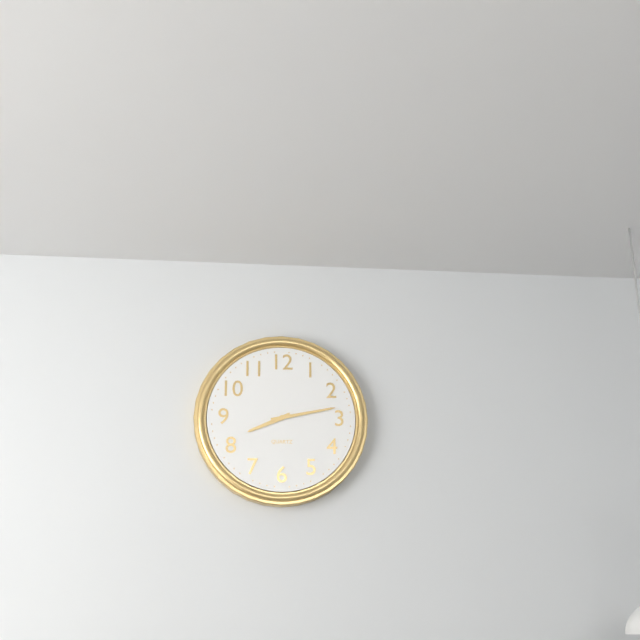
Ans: {"hour": 8, "minute": 13}
